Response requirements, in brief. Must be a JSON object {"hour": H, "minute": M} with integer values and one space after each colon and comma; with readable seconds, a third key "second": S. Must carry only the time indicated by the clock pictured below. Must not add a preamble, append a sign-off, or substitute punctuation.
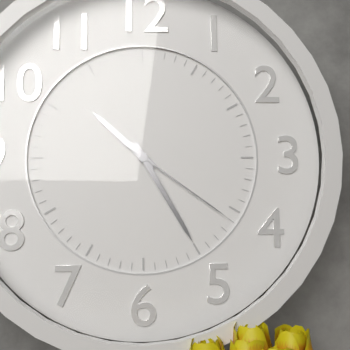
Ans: {"hour": 10, "minute": 25, "second": 21}
